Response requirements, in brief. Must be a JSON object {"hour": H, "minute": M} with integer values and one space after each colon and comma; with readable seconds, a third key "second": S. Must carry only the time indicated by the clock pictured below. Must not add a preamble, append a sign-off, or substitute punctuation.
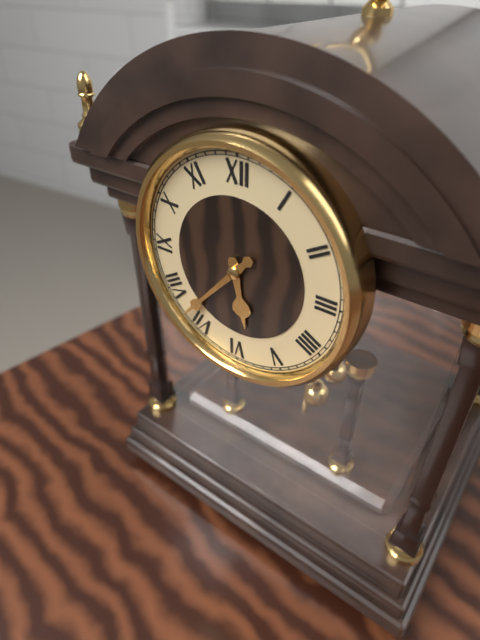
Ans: {"hour": 5, "minute": 37}
